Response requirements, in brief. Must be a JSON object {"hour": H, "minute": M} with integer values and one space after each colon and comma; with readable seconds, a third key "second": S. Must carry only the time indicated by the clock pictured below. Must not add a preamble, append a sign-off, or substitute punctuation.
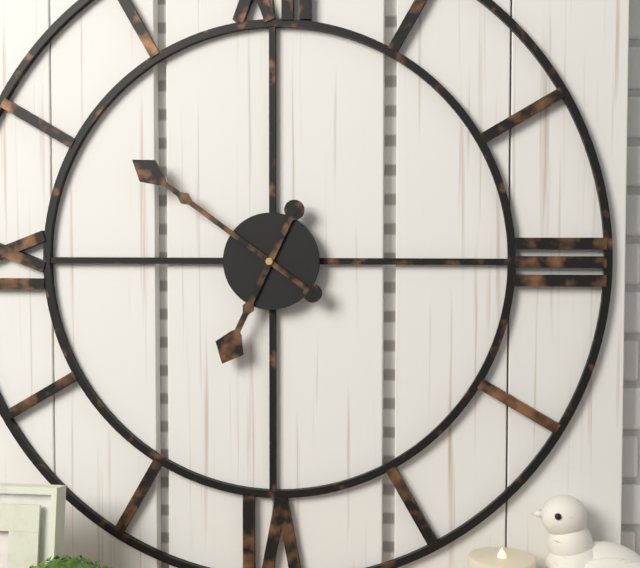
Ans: {"hour": 6, "minute": 51}
